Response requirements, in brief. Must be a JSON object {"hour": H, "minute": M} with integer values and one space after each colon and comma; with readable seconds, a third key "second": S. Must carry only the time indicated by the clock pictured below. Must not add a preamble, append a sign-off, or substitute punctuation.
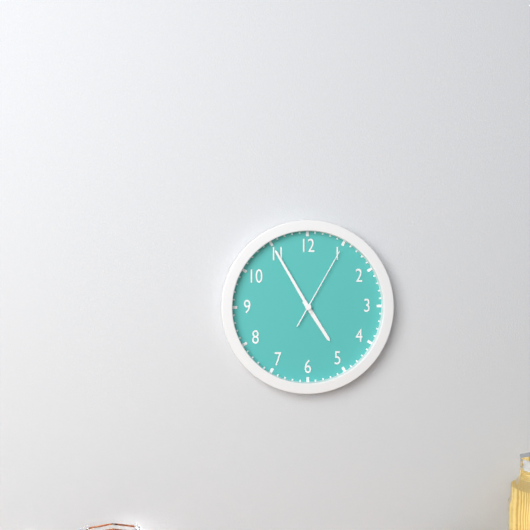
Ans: {"hour": 4, "minute": 55, "second": 5}
